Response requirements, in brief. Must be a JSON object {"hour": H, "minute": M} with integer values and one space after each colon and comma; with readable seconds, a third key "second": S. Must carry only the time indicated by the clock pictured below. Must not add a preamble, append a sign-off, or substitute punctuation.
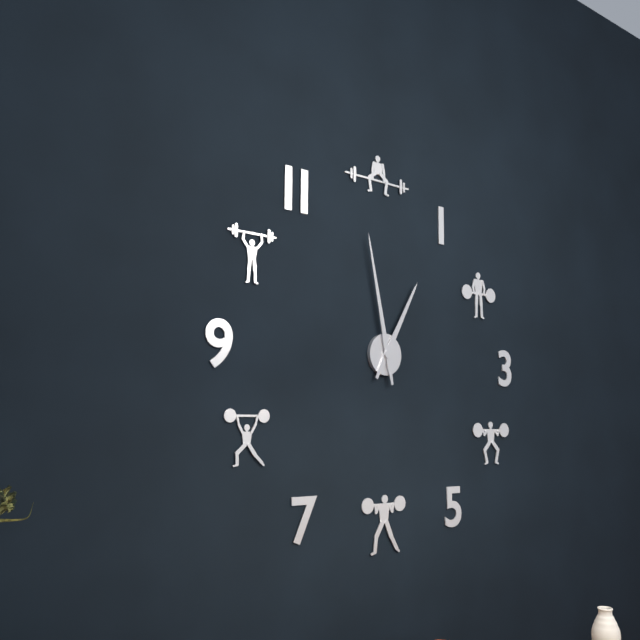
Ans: {"hour": 12, "minute": 58}
